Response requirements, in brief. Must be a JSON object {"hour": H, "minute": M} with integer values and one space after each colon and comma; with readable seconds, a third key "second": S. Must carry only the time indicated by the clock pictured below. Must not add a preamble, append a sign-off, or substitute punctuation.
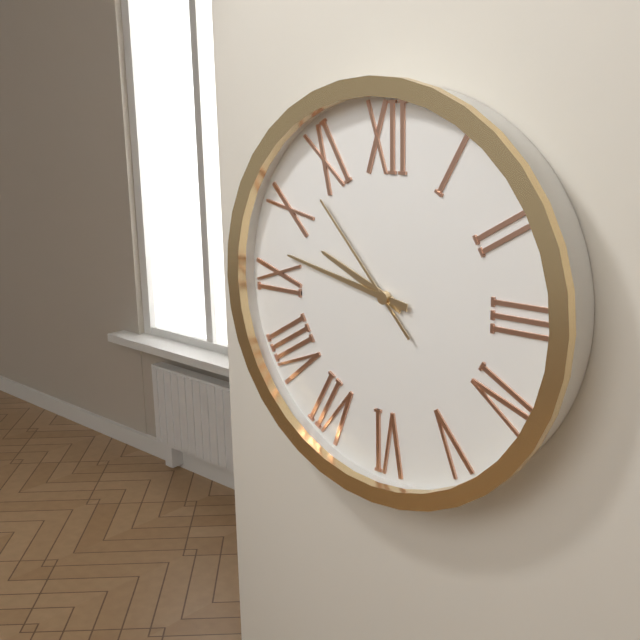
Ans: {"hour": 9, "minute": 47, "second": 53}
